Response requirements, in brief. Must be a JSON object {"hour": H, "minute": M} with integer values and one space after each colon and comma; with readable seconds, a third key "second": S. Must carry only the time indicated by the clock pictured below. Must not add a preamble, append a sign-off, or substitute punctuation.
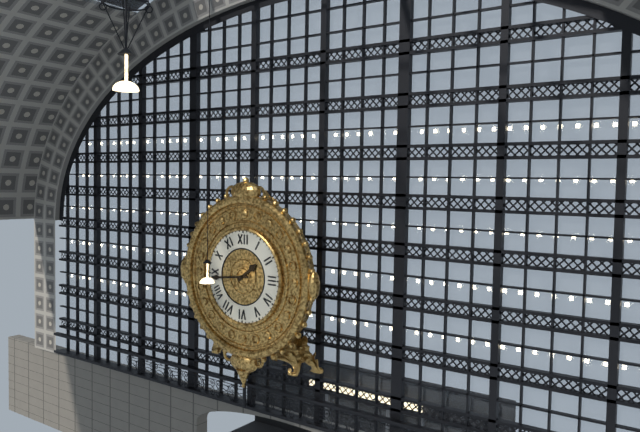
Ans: {"hour": 1, "minute": 44}
